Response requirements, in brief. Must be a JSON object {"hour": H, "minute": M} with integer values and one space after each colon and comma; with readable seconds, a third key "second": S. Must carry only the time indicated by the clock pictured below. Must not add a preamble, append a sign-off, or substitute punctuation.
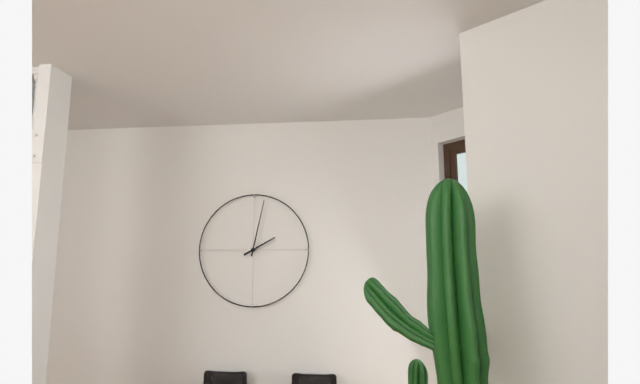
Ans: {"hour": 2, "minute": 2}
